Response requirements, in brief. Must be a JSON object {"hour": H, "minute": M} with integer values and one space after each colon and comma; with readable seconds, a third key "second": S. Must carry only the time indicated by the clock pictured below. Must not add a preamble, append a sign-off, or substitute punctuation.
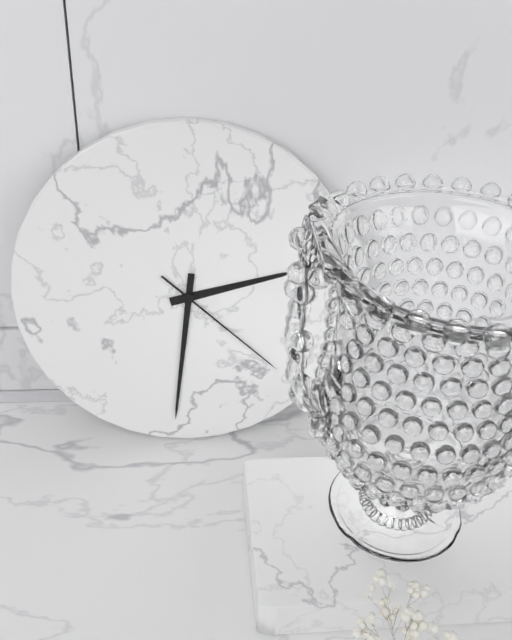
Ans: {"hour": 2, "minute": 31, "second": 22}
